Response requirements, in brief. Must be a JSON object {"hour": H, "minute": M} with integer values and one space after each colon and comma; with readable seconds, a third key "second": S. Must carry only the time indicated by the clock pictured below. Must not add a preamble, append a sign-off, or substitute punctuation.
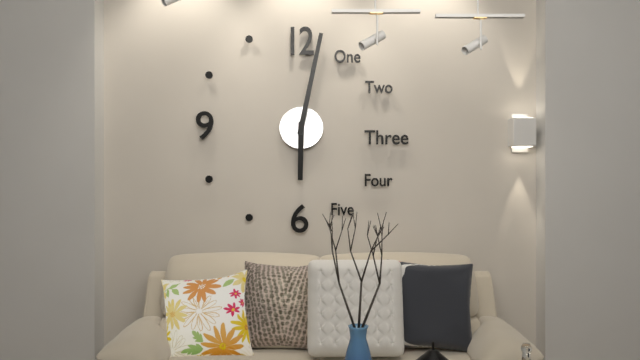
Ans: {"hour": 6, "minute": 2}
